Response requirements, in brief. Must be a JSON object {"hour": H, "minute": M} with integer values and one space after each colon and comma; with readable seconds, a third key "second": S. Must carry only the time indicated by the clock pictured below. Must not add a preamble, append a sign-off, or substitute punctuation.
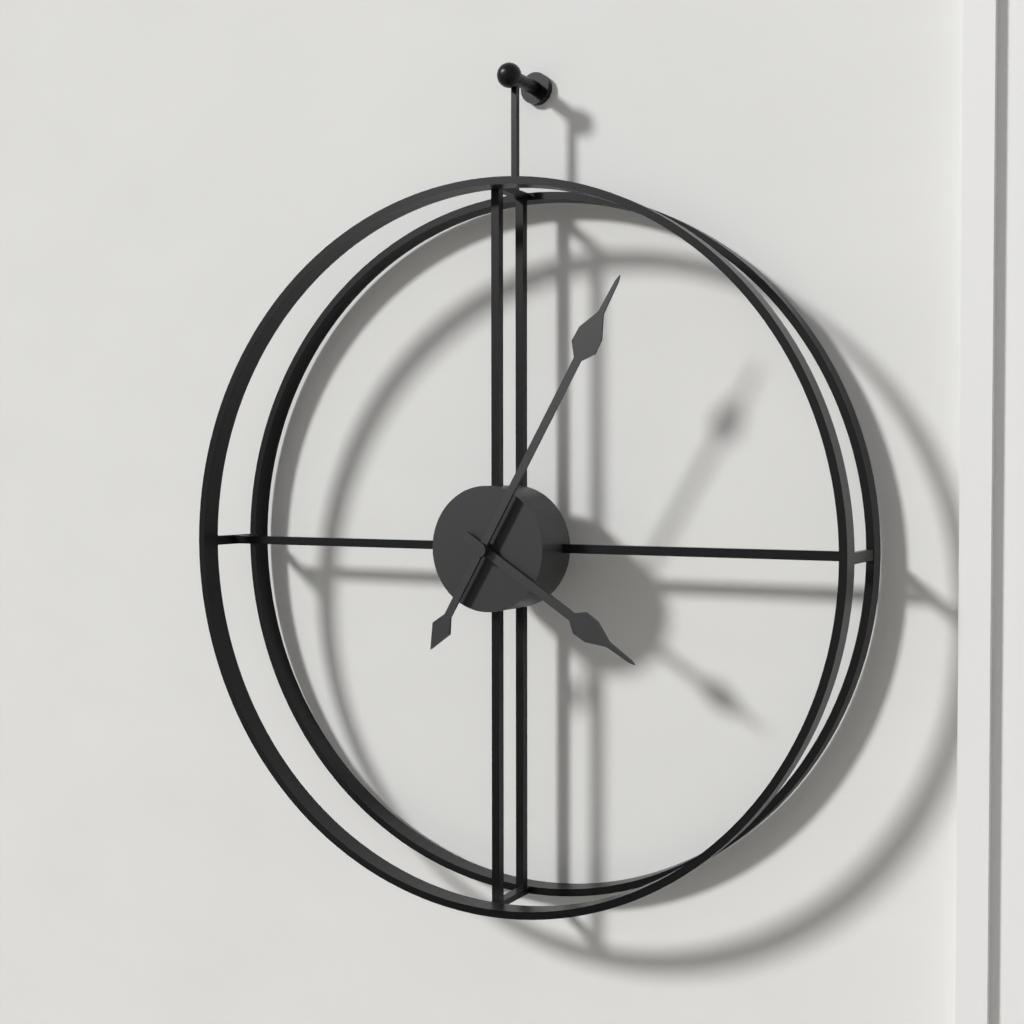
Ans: {"hour": 4, "minute": 5}
